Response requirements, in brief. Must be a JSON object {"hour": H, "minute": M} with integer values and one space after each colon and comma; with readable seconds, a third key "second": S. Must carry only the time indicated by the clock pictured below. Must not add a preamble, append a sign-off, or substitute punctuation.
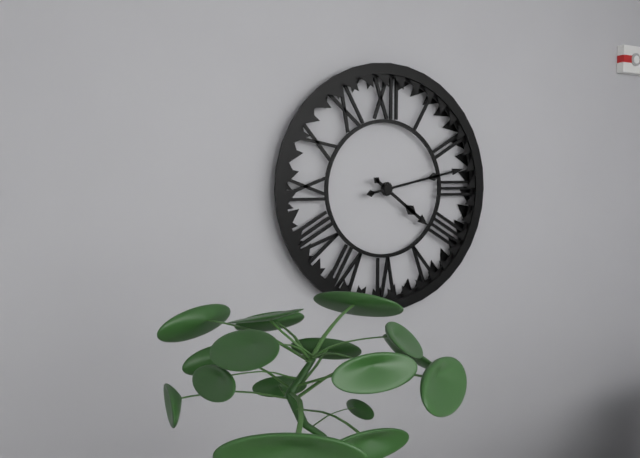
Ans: {"hour": 4, "minute": 13}
